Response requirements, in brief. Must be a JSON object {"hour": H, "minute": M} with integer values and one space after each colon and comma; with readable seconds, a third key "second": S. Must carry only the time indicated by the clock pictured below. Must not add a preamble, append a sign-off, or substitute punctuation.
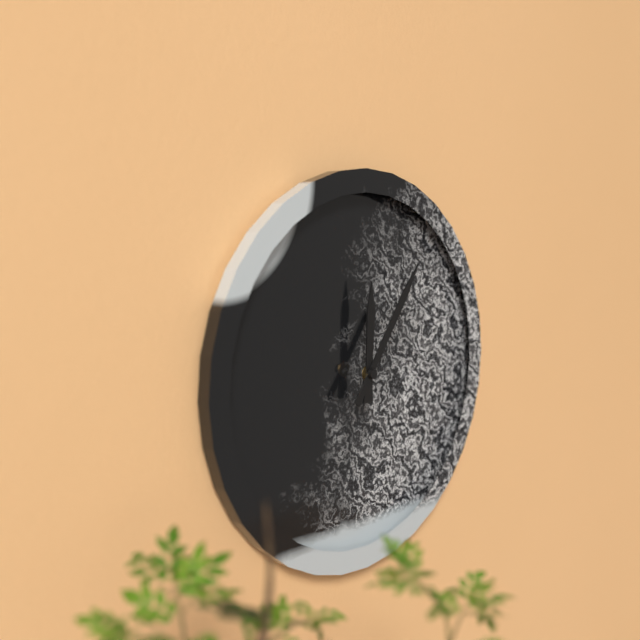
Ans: {"hour": 12, "minute": 6}
